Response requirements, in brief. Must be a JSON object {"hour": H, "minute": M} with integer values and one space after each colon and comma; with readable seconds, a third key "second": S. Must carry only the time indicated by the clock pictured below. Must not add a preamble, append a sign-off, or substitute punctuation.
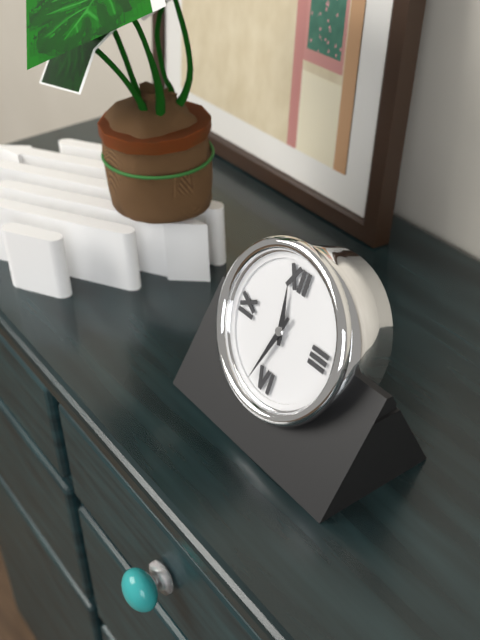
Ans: {"hour": 11, "minute": 33}
